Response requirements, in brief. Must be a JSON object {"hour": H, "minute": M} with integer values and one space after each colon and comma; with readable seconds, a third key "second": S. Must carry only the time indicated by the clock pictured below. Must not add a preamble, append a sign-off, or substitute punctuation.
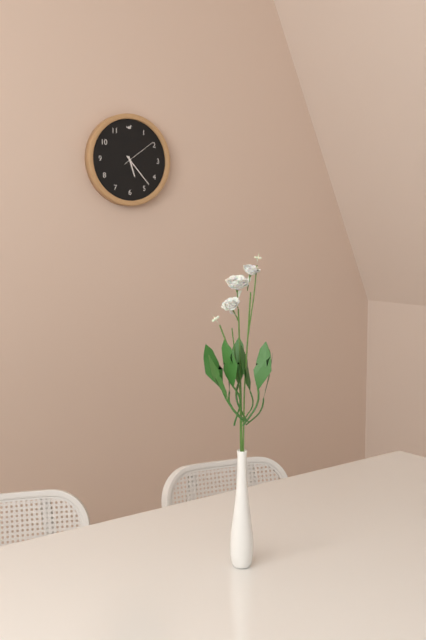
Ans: {"hour": 5, "minute": 23}
